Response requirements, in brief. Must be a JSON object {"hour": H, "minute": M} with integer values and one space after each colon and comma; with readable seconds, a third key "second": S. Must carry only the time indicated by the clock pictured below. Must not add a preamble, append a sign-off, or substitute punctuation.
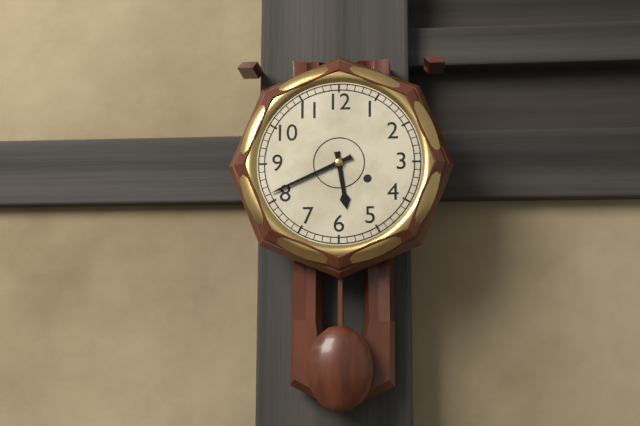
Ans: {"hour": 5, "minute": 41}
